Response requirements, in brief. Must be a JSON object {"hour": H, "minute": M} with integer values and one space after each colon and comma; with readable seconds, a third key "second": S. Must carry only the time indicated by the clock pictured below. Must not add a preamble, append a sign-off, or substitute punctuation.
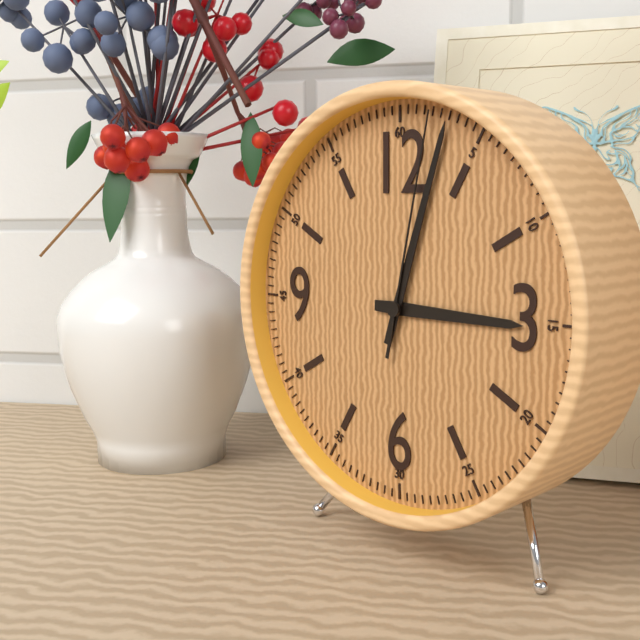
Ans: {"hour": 3, "minute": 3, "second": 2}
